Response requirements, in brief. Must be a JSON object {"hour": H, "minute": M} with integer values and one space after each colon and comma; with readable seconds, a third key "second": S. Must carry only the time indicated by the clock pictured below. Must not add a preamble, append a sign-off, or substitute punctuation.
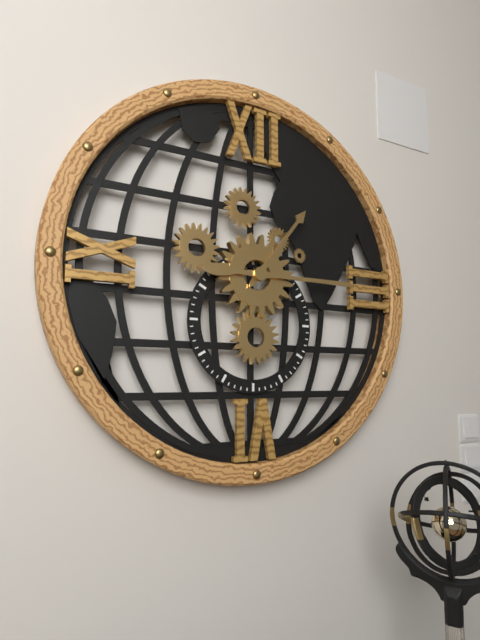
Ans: {"hour": 1, "minute": 15}
